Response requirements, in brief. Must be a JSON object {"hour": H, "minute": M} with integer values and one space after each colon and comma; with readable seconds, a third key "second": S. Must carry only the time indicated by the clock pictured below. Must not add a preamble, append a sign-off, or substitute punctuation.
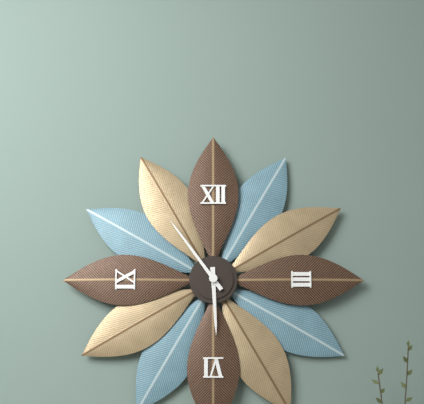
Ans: {"hour": 5, "minute": 54}
